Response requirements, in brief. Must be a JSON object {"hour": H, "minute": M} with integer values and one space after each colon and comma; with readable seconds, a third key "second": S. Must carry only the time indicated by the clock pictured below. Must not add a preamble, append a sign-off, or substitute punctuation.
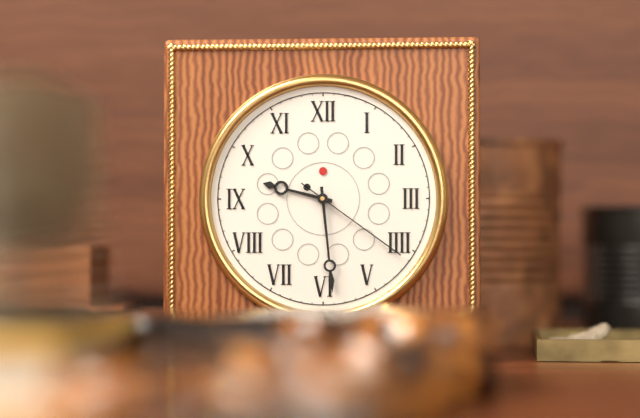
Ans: {"hour": 9, "minute": 29, "second": 21}
